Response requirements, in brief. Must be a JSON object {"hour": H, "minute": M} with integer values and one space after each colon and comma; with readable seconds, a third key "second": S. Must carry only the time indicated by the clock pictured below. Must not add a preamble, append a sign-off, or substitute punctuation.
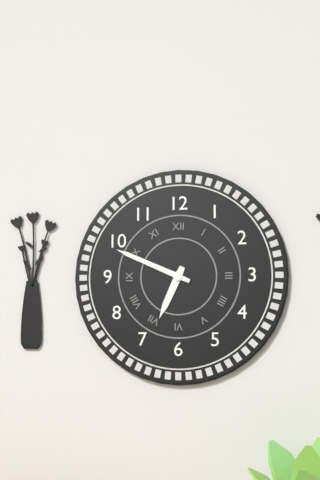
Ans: {"hour": 6, "minute": 49}
